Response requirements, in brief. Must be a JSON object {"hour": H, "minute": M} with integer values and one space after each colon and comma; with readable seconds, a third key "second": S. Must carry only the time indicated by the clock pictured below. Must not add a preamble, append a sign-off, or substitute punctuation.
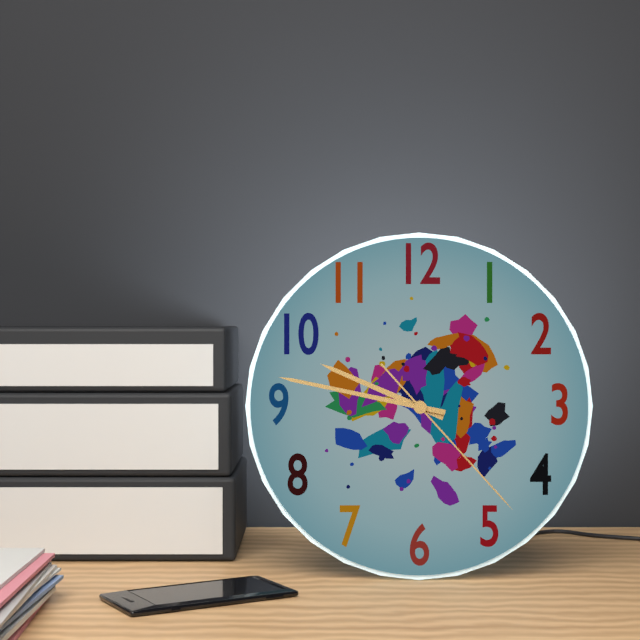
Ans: {"hour": 9, "minute": 47, "second": 23}
